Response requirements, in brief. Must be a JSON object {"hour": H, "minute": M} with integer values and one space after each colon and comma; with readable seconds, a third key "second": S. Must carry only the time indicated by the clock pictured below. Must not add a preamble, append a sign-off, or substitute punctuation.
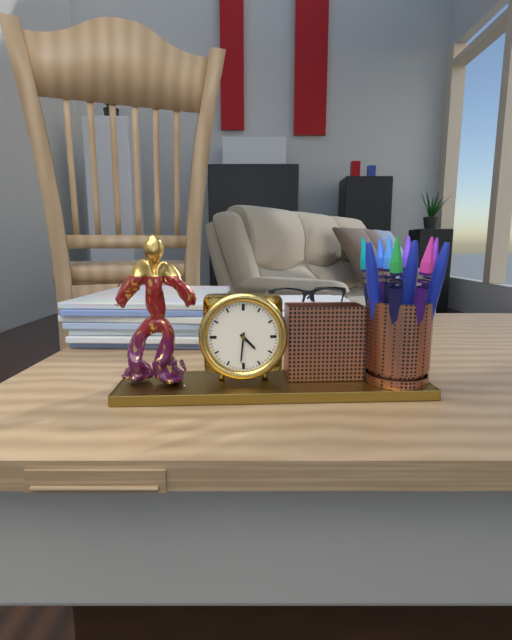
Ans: {"hour": 4, "minute": 31}
